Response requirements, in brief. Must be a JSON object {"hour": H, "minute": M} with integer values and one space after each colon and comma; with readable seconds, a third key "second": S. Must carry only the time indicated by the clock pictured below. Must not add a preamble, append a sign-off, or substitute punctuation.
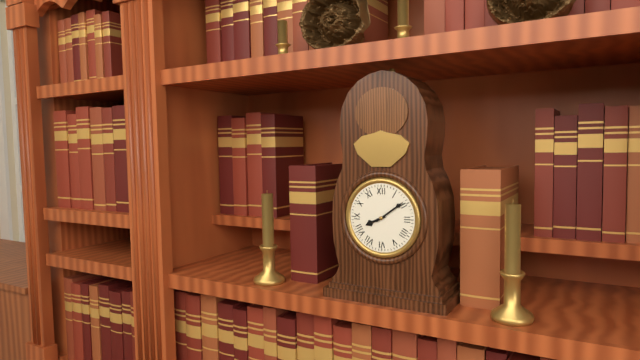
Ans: {"hour": 8, "minute": 9}
